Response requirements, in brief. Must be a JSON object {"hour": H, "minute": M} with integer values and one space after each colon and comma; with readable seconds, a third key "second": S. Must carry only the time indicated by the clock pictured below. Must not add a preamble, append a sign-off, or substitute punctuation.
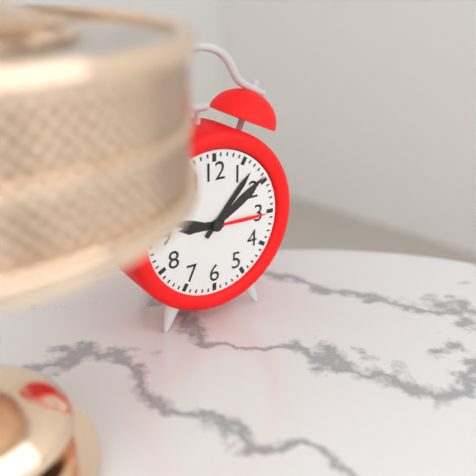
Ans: {"hour": 9, "minute": 7}
